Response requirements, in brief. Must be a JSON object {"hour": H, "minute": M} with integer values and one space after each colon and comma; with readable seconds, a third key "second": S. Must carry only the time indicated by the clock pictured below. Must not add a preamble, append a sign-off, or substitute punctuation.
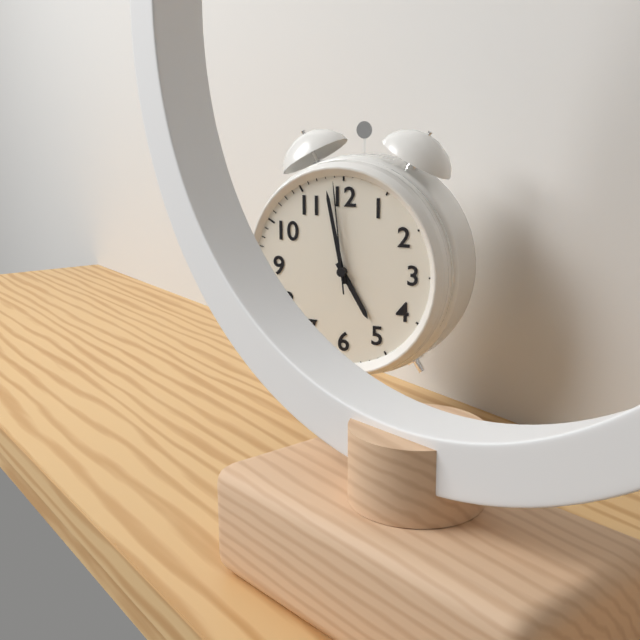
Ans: {"hour": 4, "minute": 58, "second": 59}
